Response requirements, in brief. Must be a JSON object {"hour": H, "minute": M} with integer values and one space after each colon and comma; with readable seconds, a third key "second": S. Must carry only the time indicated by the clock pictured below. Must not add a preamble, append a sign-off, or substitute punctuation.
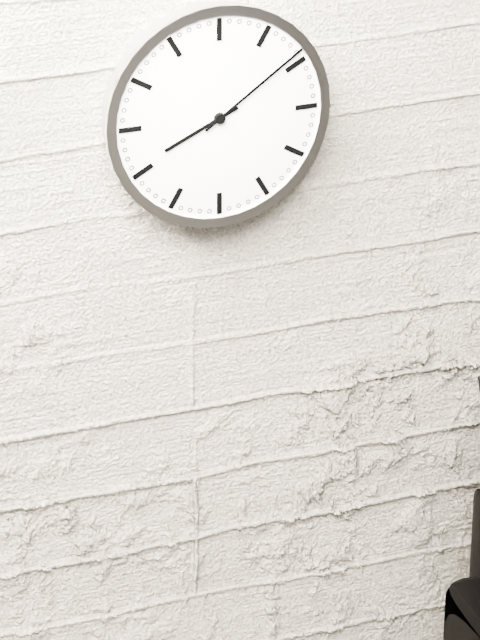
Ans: {"hour": 8, "minute": 9}
